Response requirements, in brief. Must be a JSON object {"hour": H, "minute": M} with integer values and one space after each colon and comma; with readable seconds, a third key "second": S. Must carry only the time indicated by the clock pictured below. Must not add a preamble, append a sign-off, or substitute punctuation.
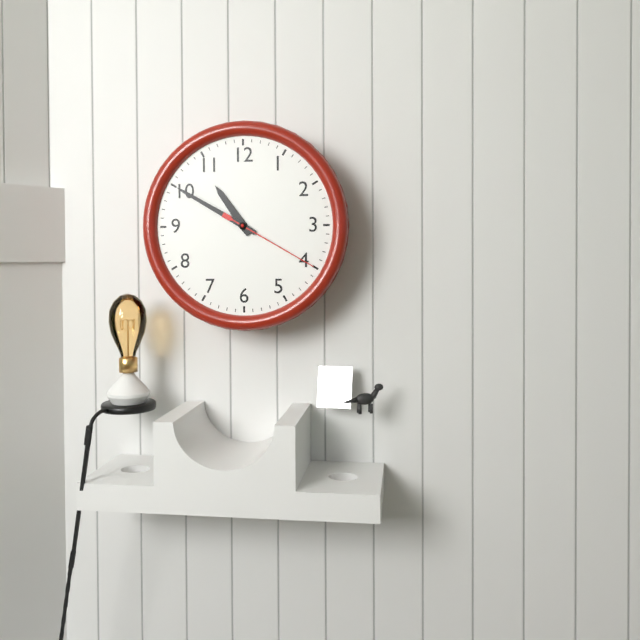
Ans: {"hour": 10, "minute": 50, "second": 20}
